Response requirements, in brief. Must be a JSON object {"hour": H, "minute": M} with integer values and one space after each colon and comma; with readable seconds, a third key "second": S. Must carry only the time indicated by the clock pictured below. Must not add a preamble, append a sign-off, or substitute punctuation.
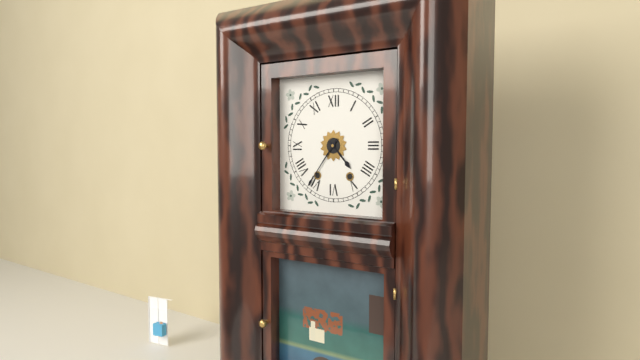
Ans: {"hour": 4, "minute": 36}
